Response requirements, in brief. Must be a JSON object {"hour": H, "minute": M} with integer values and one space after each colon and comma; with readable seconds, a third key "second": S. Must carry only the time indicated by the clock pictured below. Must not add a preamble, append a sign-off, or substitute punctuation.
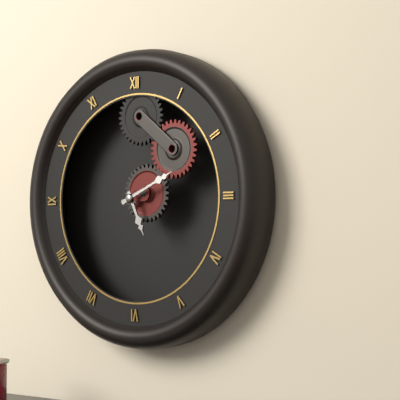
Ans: {"hour": 5, "minute": 11}
